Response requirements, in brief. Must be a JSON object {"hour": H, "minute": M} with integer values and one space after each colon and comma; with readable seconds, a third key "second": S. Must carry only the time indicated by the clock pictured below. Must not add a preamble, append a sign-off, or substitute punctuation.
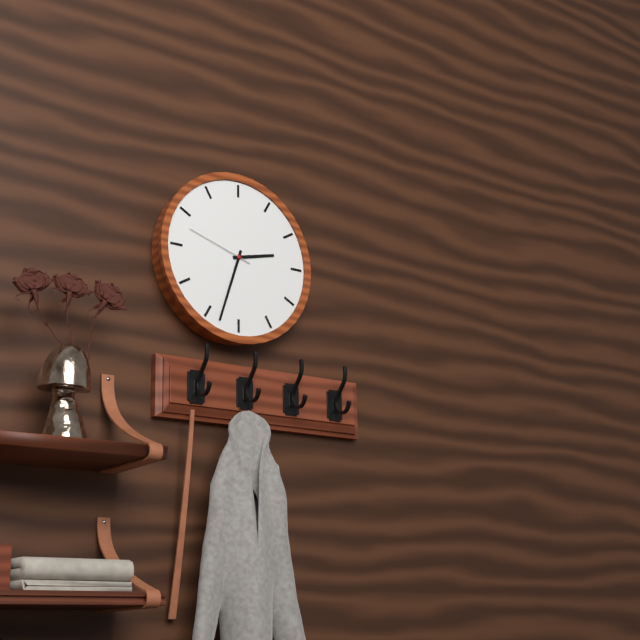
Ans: {"hour": 2, "minute": 33, "second": 48}
